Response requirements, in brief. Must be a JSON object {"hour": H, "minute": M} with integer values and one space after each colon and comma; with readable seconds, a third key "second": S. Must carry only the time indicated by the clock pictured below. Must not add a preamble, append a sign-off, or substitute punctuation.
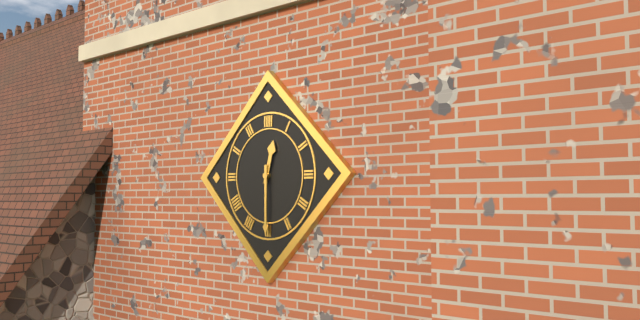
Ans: {"hour": 12, "minute": 30}
